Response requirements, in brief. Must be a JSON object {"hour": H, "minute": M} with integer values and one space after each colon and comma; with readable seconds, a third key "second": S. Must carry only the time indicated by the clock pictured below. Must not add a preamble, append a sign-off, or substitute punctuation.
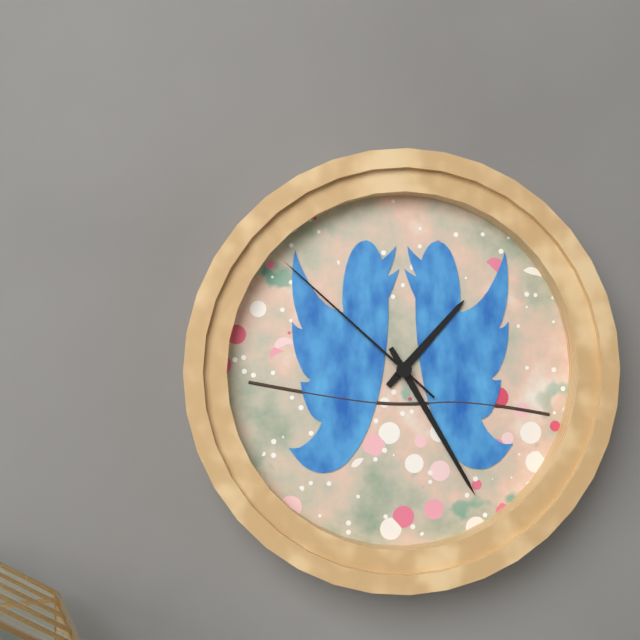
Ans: {"hour": 1, "minute": 25, "second": 52}
